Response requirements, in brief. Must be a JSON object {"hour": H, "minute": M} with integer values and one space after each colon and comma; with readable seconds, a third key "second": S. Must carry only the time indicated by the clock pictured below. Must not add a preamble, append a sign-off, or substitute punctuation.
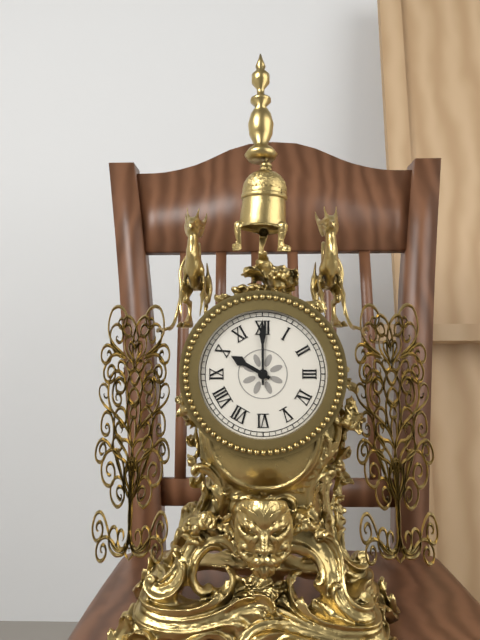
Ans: {"hour": 10, "minute": 0}
